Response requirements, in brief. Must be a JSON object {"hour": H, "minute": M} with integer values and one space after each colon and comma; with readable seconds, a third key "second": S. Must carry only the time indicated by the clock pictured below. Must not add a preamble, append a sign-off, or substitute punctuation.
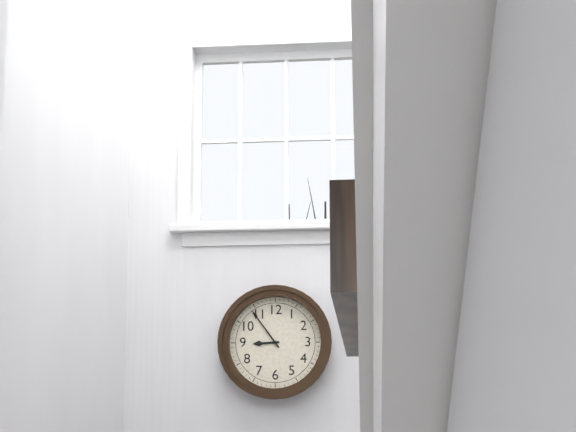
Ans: {"hour": 8, "minute": 54}
